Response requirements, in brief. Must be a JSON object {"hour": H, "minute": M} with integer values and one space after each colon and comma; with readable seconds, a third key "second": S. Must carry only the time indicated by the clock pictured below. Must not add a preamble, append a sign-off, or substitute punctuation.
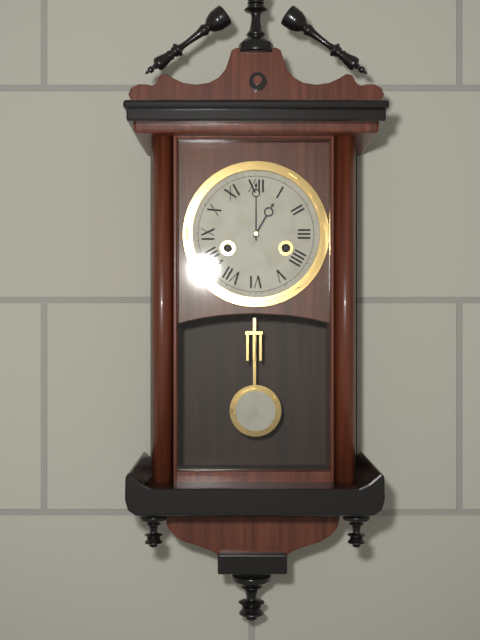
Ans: {"hour": 1, "minute": 0}
